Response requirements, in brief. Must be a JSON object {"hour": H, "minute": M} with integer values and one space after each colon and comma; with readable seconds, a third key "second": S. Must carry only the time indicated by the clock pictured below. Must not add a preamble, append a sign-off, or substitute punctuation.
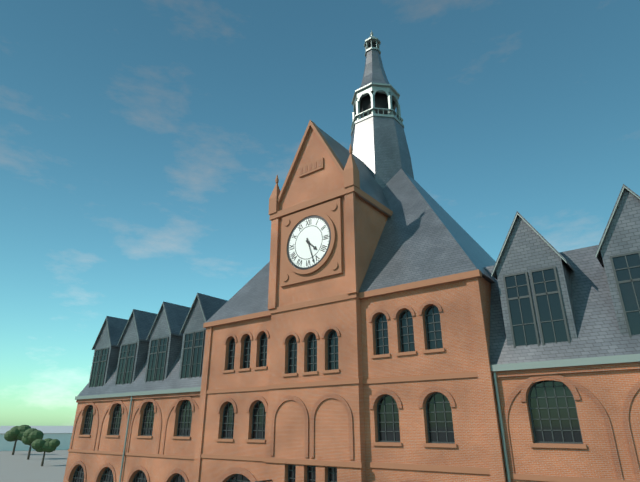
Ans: {"hour": 4, "minute": 27}
